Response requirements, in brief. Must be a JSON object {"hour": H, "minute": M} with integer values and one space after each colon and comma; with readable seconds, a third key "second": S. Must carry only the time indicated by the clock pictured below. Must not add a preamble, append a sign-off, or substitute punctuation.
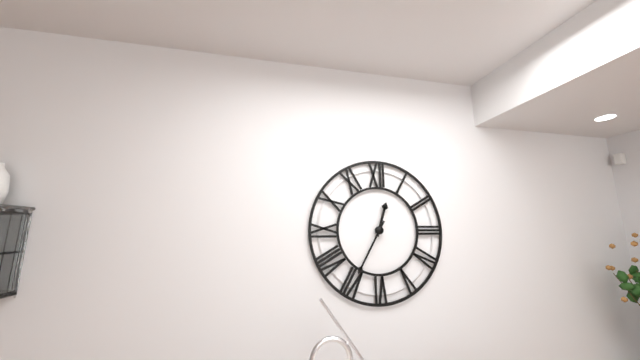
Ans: {"hour": 12, "minute": 35}
